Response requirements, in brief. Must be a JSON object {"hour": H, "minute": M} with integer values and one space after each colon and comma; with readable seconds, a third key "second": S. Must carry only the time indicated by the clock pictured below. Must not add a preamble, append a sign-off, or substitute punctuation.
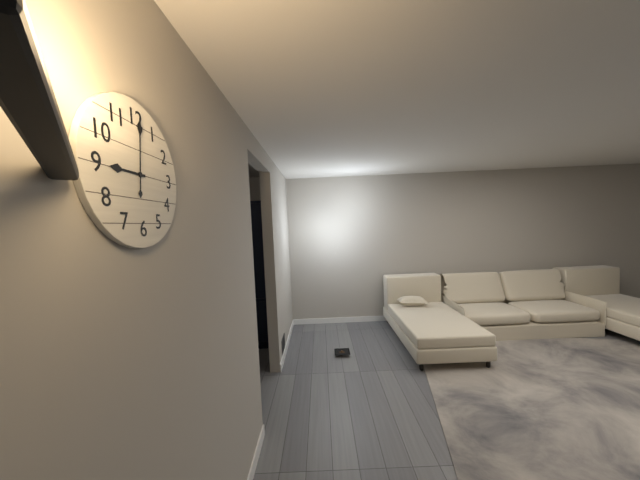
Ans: {"hour": 9, "minute": 1}
